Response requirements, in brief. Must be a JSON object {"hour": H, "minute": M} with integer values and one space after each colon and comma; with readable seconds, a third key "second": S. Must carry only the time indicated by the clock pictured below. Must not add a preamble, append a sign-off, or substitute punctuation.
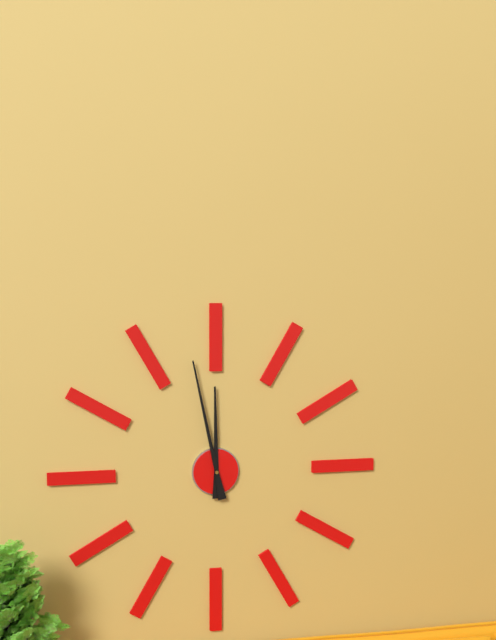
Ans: {"hour": 11, "minute": 58}
